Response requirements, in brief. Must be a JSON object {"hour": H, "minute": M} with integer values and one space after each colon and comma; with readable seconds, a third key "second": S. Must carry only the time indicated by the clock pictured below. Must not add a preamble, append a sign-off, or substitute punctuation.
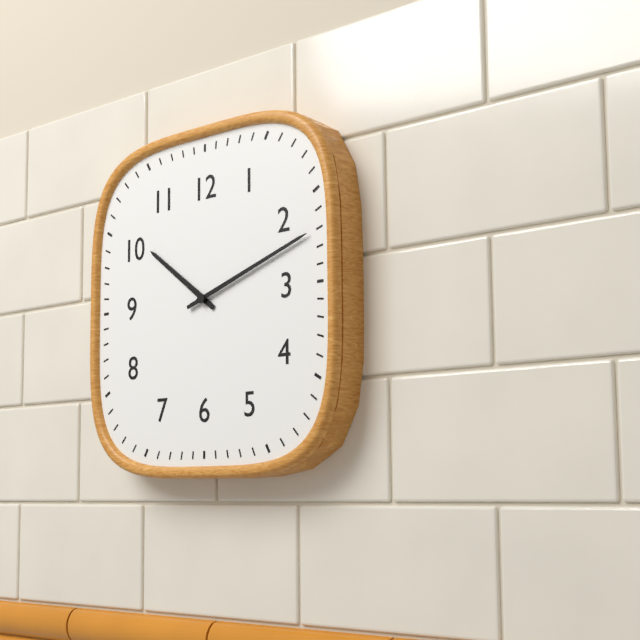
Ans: {"hour": 10, "minute": 12}
